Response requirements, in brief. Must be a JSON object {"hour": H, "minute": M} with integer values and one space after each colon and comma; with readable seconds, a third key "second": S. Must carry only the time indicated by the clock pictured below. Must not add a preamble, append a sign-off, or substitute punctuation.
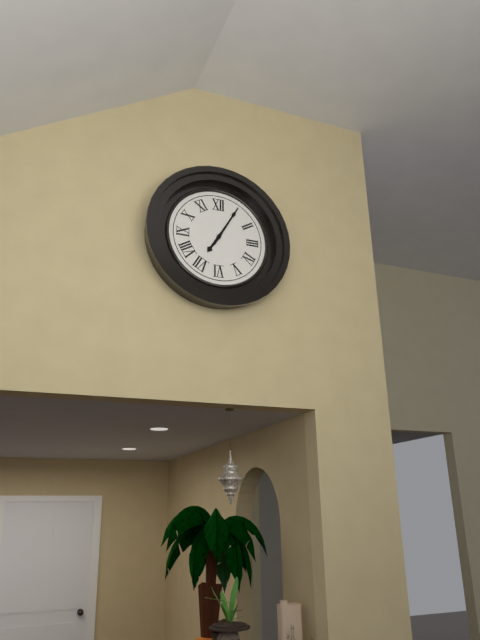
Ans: {"hour": 7, "minute": 5}
